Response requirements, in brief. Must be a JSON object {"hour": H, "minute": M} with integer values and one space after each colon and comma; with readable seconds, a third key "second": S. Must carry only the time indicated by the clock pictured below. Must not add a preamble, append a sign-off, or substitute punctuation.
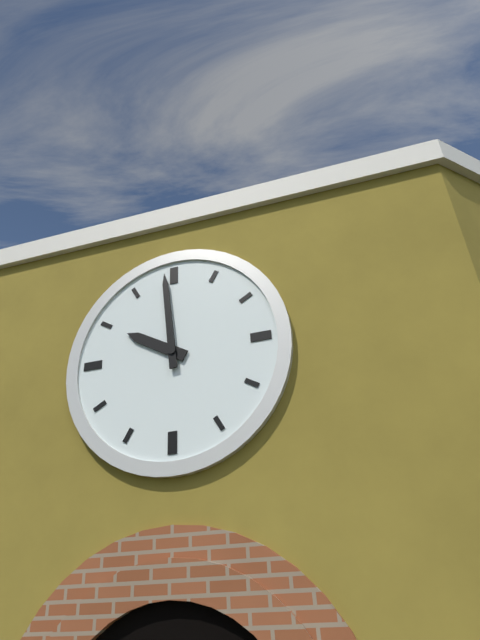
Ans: {"hour": 9, "minute": 59}
